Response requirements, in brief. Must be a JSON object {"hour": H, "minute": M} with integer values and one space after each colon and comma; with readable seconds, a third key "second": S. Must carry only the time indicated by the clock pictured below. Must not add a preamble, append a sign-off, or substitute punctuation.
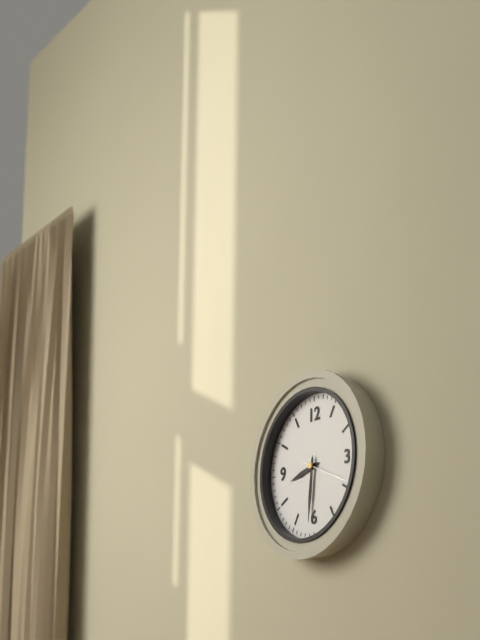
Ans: {"hour": 8, "minute": 31, "second": 19}
